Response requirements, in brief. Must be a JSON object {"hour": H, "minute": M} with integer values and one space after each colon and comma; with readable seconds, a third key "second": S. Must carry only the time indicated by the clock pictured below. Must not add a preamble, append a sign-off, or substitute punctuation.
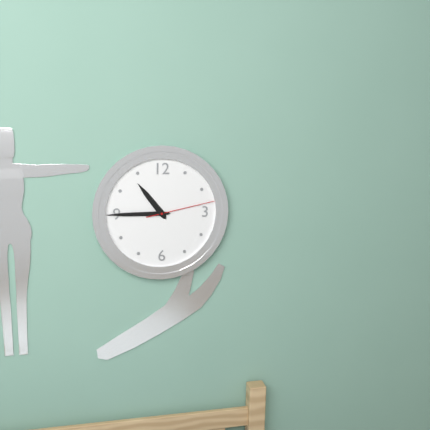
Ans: {"hour": 10, "minute": 45, "second": 13}
